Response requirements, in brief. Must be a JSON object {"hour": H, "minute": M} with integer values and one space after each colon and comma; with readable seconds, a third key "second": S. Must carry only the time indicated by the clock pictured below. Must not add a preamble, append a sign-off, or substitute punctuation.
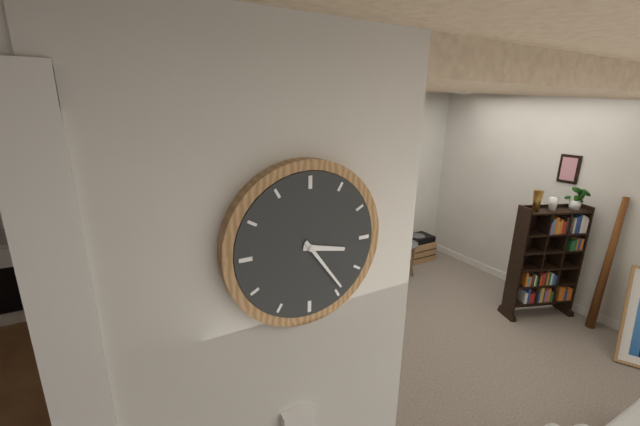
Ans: {"hour": 3, "minute": 24}
